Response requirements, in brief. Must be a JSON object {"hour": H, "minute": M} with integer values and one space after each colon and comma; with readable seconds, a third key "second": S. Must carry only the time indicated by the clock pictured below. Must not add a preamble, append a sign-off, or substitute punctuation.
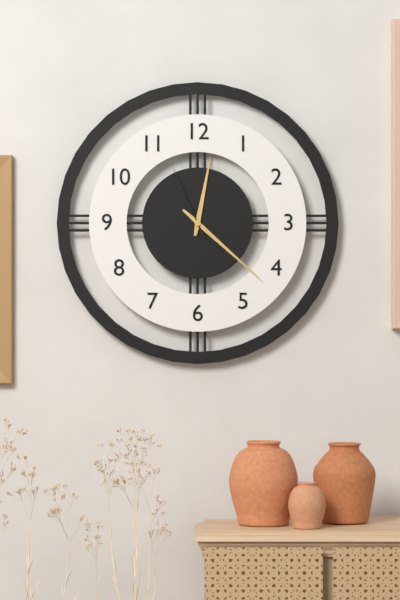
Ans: {"hour": 12, "minute": 22, "second": 56}
